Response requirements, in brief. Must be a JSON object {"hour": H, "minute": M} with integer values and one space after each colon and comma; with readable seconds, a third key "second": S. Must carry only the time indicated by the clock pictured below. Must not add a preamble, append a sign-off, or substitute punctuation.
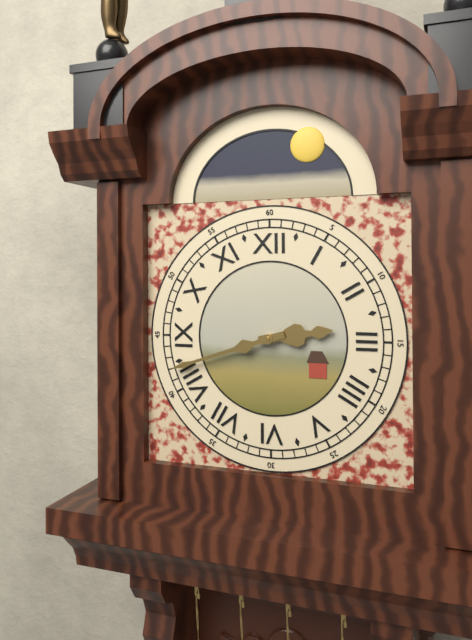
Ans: {"hour": 2, "minute": 42}
